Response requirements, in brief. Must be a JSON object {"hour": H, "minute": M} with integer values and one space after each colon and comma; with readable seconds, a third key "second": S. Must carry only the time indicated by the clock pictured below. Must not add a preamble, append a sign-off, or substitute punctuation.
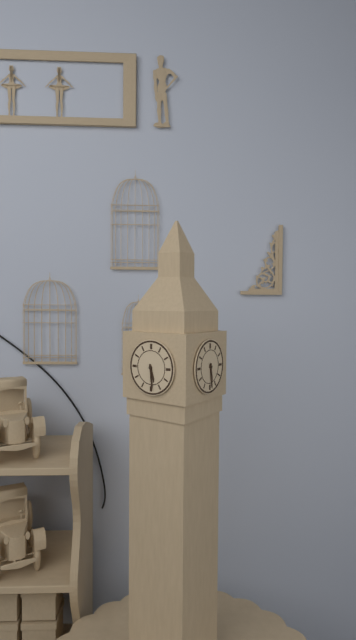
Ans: {"hour": 5, "minute": 29}
